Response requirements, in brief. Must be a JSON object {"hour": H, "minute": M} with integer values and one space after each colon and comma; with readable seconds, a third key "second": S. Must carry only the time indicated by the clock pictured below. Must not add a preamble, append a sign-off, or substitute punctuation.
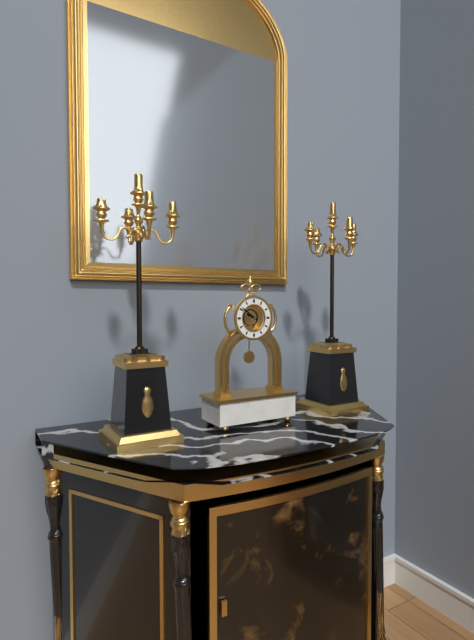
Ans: {"hour": 9, "minute": 51}
